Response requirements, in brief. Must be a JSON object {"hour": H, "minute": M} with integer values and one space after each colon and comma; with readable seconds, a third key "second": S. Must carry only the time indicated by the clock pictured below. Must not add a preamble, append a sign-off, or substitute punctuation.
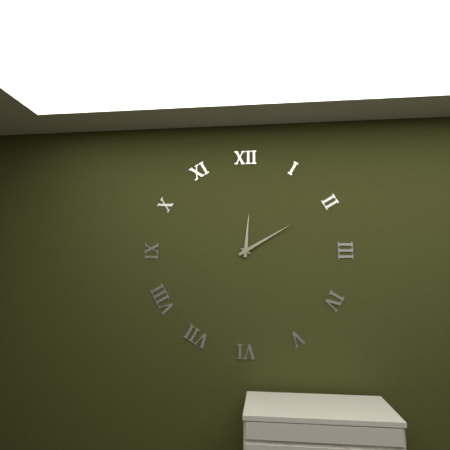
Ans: {"hour": 12, "minute": 10}
